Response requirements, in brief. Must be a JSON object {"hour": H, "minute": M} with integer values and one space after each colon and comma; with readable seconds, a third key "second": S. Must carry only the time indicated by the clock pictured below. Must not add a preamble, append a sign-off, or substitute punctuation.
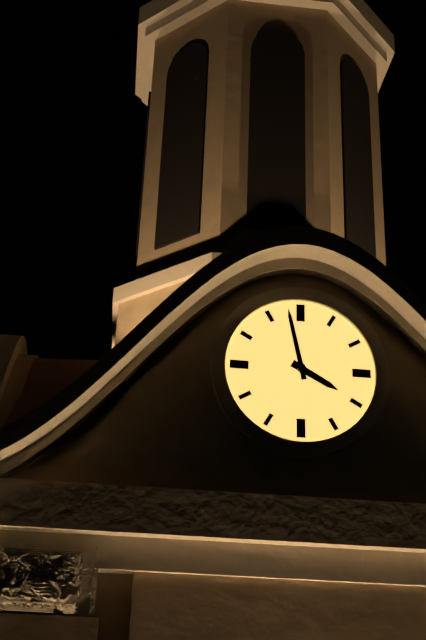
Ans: {"hour": 3, "minute": 58}
